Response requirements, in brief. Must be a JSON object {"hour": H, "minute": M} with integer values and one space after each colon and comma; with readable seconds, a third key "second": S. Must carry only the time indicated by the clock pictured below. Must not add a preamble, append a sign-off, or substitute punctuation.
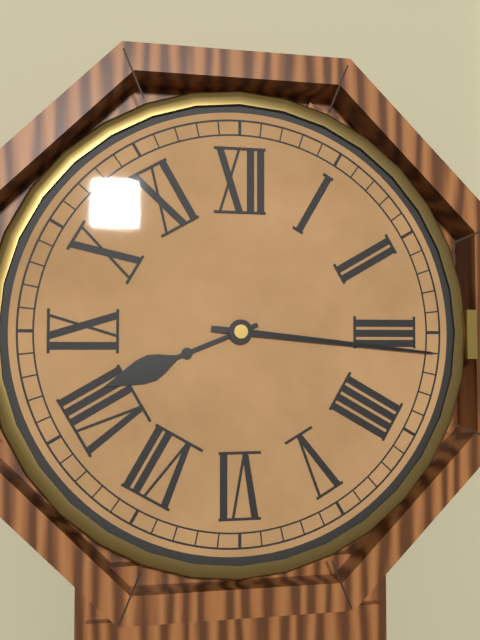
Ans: {"hour": 8, "minute": 16}
